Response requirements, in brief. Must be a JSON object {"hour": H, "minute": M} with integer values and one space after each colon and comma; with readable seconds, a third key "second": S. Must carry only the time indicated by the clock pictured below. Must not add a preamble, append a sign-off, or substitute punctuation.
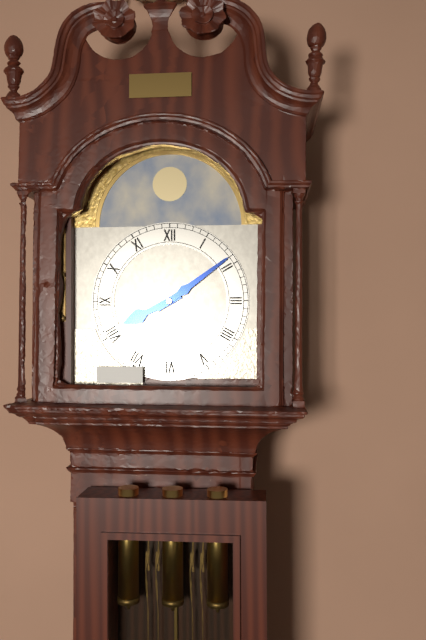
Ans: {"hour": 8, "minute": 9}
